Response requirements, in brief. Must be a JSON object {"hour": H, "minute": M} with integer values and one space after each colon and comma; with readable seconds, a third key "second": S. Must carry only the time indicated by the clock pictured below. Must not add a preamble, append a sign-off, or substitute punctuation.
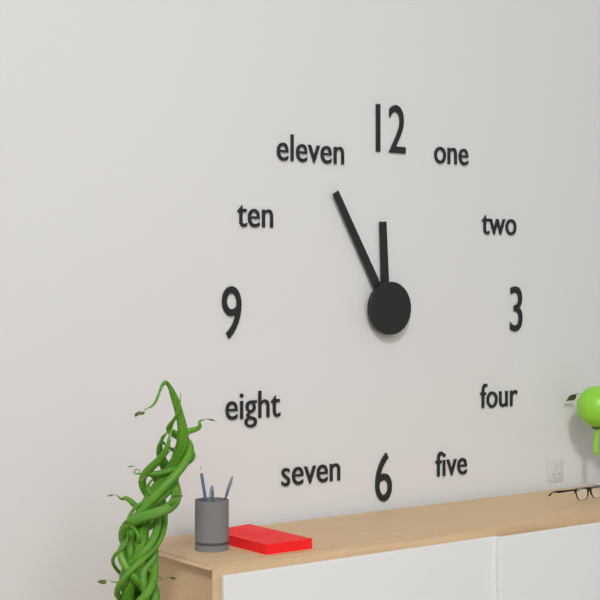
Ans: {"hour": 11, "minute": 55}
